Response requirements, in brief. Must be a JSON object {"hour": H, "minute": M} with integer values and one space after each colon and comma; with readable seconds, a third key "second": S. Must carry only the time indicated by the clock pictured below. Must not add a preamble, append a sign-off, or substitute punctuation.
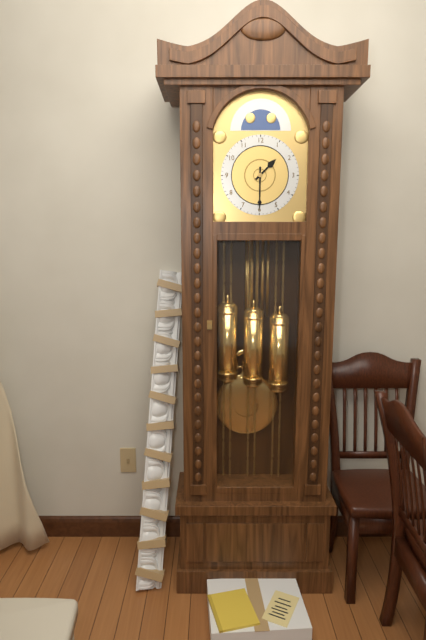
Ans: {"hour": 1, "minute": 30}
